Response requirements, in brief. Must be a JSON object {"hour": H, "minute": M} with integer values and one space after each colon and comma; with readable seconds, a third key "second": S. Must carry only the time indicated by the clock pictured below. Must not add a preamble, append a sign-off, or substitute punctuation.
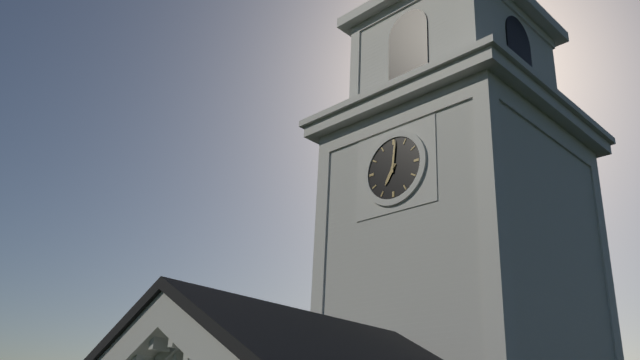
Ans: {"hour": 7, "minute": 1}
